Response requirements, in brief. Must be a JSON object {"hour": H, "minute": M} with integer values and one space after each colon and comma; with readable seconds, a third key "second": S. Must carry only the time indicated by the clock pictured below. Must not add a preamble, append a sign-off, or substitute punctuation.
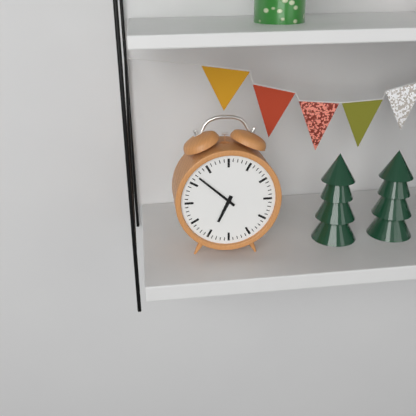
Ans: {"hour": 6, "minute": 52}
